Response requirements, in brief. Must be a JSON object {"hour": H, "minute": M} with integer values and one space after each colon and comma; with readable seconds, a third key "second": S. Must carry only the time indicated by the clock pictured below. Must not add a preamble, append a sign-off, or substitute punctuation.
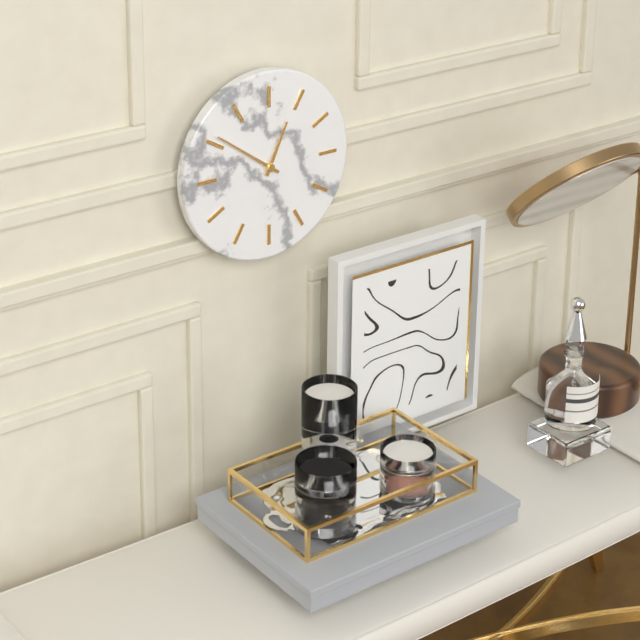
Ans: {"hour": 12, "minute": 51}
